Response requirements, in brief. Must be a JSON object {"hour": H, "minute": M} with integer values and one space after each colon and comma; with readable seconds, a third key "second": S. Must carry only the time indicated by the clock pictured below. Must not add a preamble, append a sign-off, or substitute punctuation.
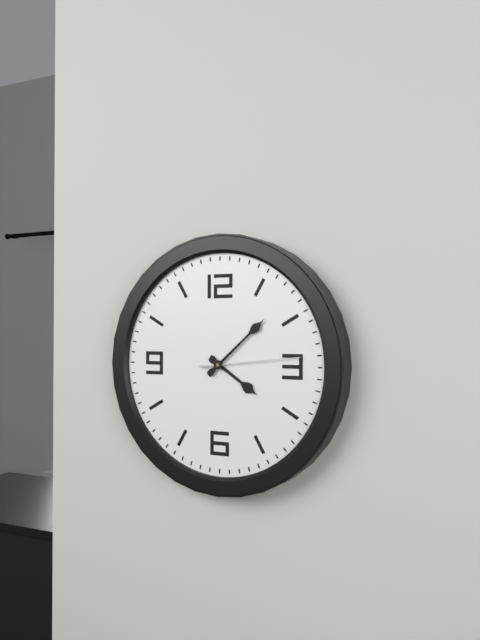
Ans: {"hour": 4, "minute": 8, "second": 14}
